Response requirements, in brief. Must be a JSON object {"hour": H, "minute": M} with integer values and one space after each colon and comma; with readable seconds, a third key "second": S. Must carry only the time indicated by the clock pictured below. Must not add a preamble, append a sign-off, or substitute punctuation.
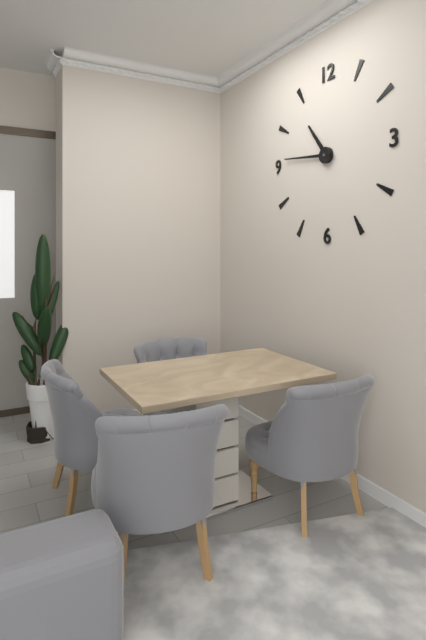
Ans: {"hour": 10, "minute": 46}
